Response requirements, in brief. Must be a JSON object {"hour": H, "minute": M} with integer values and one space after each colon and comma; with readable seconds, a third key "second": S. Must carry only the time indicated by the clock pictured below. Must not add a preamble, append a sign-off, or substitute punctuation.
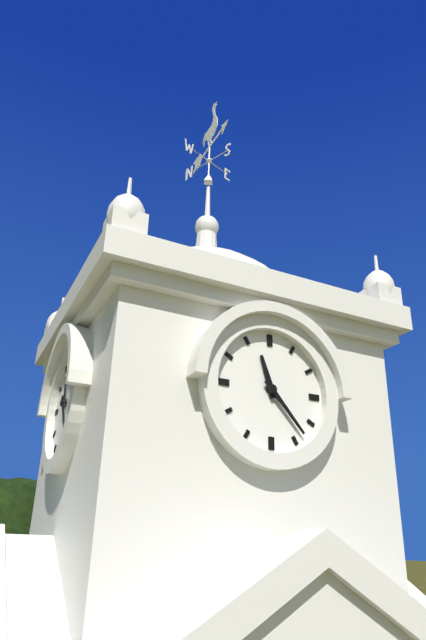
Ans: {"hour": 11, "minute": 23}
